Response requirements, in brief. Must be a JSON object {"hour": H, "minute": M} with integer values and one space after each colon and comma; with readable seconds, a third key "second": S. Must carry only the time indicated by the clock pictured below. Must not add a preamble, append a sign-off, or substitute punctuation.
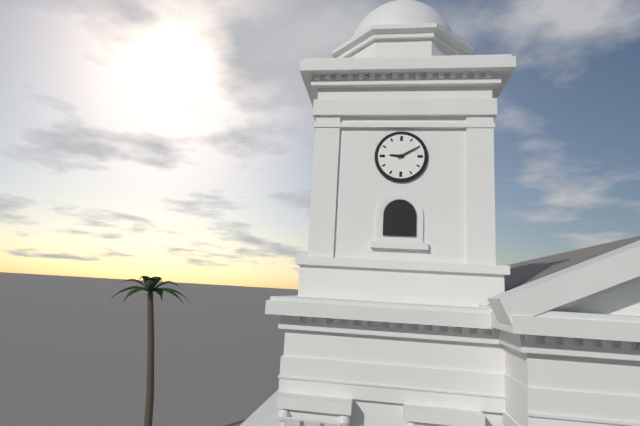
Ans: {"hour": 9, "minute": 10}
